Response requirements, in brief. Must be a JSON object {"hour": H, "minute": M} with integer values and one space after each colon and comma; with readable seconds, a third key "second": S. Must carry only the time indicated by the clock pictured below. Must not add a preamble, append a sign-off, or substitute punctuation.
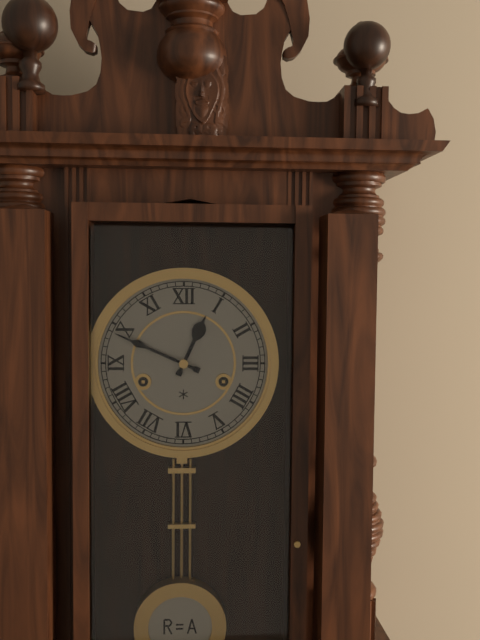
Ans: {"hour": 12, "minute": 49}
